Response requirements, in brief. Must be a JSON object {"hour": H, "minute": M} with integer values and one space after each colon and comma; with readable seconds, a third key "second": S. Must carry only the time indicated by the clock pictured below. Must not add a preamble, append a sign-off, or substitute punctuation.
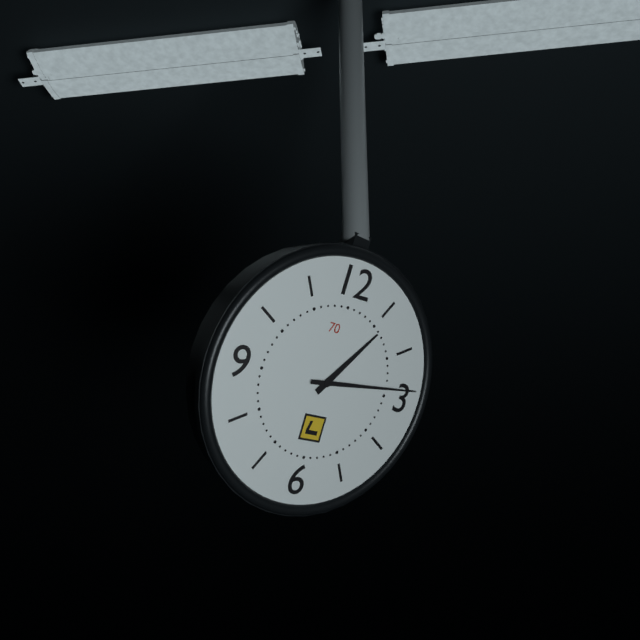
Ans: {"hour": 1, "minute": 14}
